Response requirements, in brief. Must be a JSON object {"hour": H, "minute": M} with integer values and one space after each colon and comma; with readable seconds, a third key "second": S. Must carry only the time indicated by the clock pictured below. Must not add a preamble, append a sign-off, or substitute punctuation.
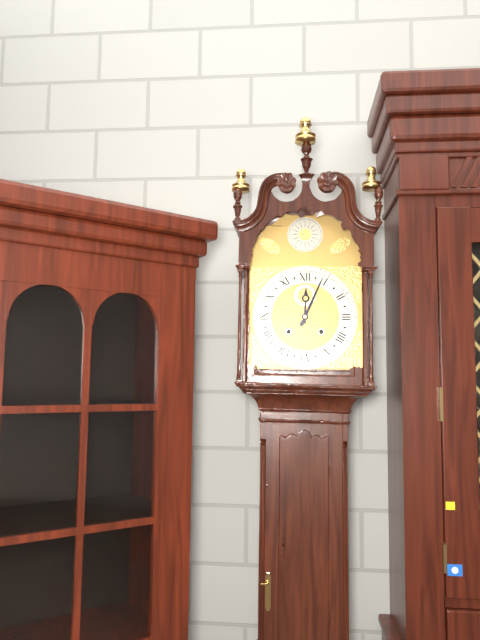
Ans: {"hour": 12, "minute": 4}
